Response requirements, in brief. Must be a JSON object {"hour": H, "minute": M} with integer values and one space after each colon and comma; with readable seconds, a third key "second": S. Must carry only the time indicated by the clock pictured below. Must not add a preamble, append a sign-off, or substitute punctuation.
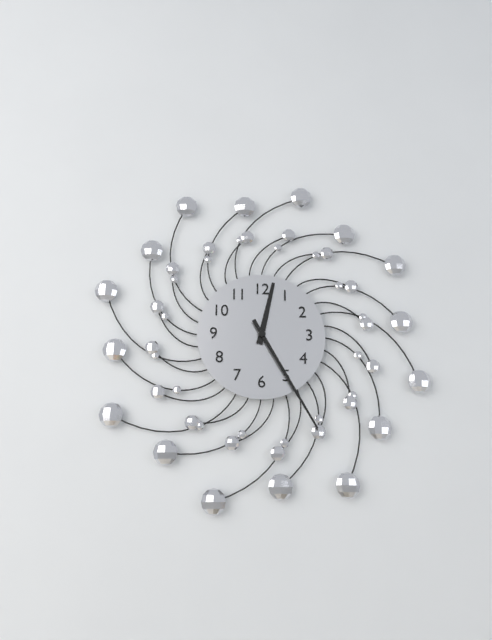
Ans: {"hour": 12, "minute": 25}
